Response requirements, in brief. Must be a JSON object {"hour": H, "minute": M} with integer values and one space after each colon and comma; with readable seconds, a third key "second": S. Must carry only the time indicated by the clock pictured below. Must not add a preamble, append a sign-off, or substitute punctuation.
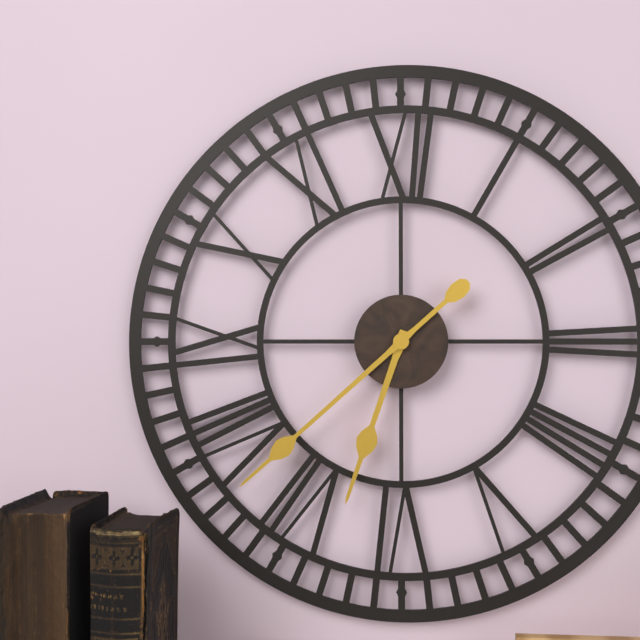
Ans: {"hour": 6, "minute": 38}
